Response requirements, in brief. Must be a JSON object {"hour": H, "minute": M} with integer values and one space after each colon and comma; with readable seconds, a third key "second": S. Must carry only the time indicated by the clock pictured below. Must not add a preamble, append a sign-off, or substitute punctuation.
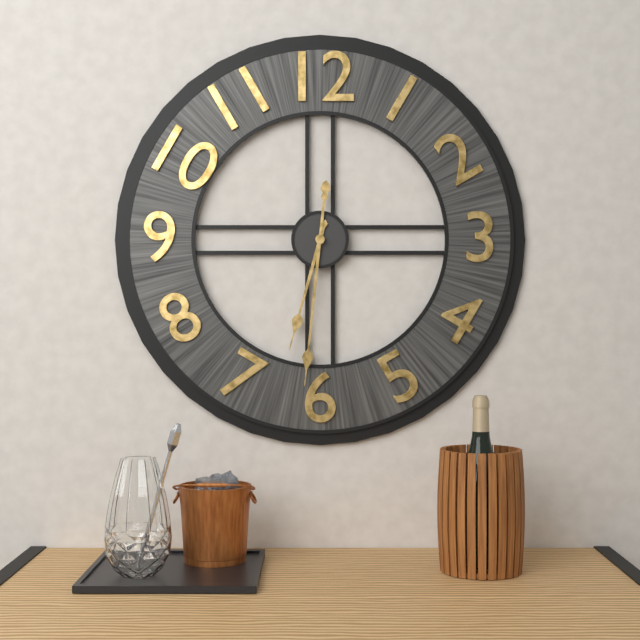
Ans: {"hour": 6, "minute": 31}
